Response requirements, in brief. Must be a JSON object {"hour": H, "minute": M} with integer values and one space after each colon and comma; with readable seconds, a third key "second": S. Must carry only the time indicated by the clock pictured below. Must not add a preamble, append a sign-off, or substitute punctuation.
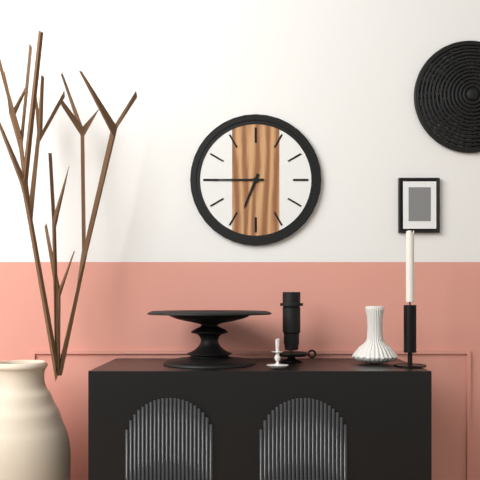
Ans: {"hour": 6, "minute": 45}
